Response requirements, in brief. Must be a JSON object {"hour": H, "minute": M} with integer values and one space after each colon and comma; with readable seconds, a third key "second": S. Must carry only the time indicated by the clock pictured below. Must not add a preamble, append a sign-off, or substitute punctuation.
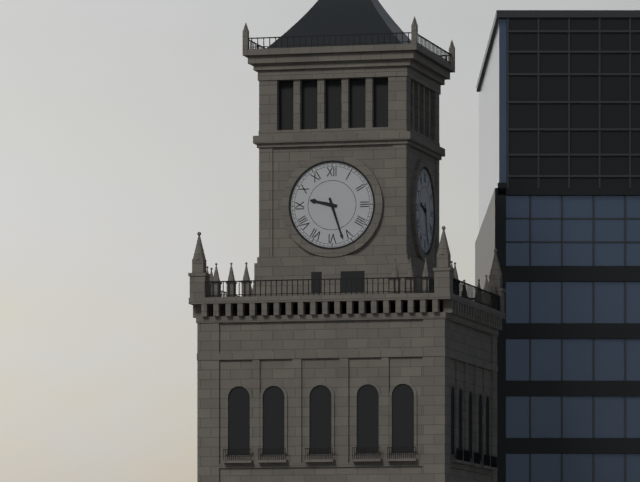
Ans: {"hour": 9, "minute": 27}
